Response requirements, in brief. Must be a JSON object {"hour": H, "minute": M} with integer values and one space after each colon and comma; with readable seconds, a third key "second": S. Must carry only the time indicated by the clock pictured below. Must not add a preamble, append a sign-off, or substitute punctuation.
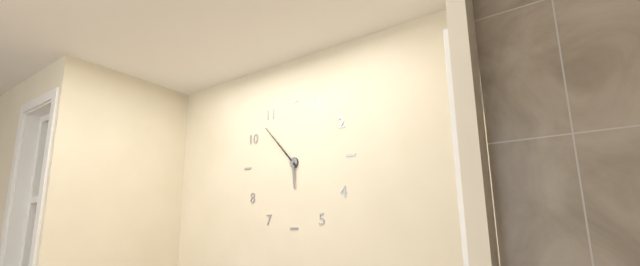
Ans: {"hour": 5, "minute": 53}
